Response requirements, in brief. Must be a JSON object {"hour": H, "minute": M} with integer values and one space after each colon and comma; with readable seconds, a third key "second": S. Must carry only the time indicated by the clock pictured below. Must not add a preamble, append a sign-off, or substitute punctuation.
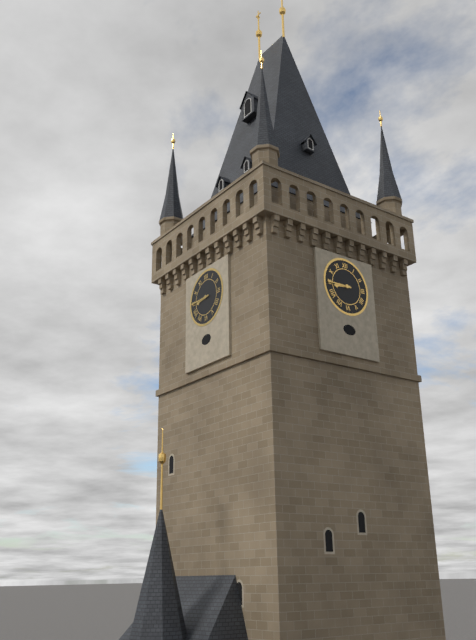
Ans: {"hour": 8, "minute": 45}
